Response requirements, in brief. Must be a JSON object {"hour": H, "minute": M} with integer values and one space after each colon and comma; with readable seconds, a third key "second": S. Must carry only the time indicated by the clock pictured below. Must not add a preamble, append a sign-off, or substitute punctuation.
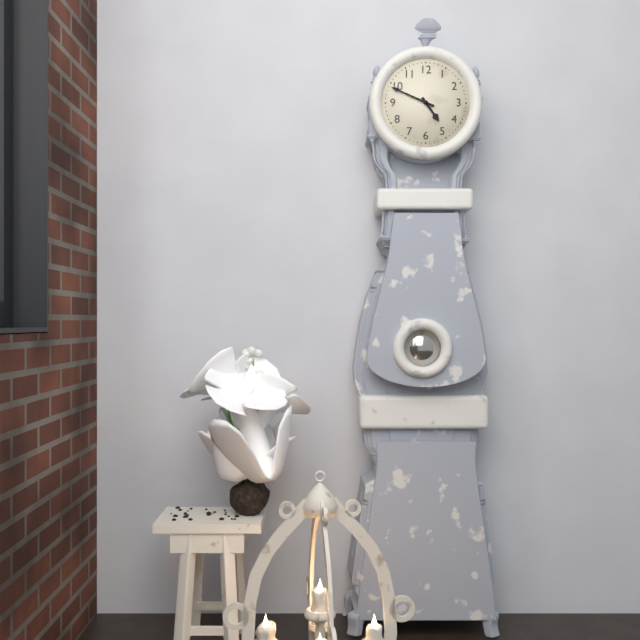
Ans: {"hour": 4, "minute": 49}
